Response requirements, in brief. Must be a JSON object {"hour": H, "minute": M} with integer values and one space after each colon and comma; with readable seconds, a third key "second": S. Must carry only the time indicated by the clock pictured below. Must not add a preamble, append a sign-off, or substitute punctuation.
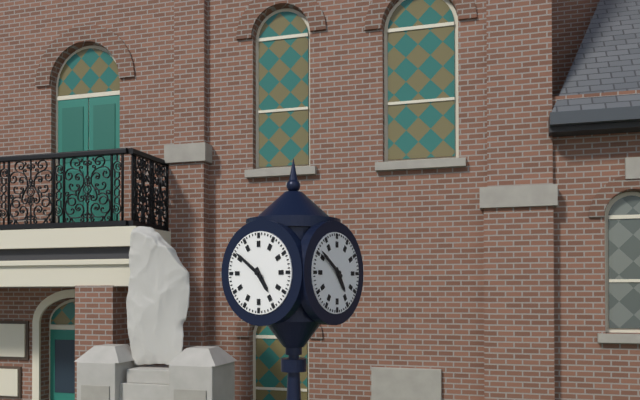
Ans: {"hour": 4, "minute": 51}
